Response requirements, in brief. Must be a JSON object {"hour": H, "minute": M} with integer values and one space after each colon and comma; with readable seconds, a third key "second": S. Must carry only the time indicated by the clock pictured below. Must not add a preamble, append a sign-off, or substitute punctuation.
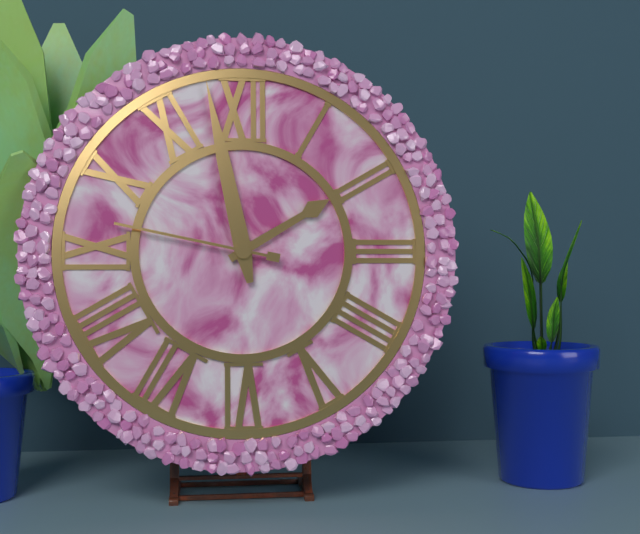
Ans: {"hour": 1, "minute": 58, "second": 47}
